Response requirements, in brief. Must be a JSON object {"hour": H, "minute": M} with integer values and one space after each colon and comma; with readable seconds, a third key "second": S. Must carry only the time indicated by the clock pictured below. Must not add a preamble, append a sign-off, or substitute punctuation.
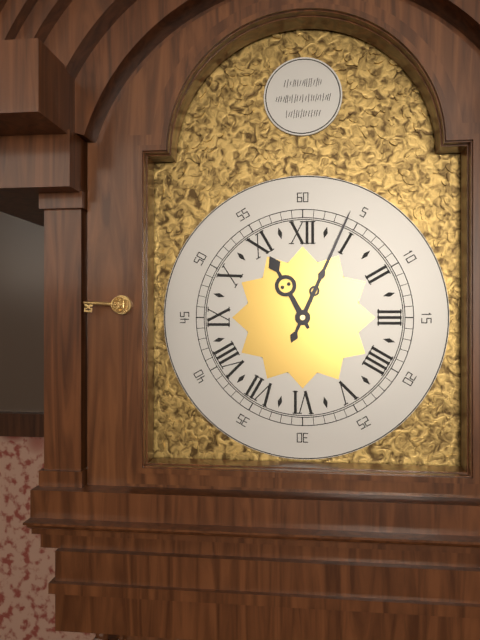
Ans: {"hour": 11, "minute": 4}
